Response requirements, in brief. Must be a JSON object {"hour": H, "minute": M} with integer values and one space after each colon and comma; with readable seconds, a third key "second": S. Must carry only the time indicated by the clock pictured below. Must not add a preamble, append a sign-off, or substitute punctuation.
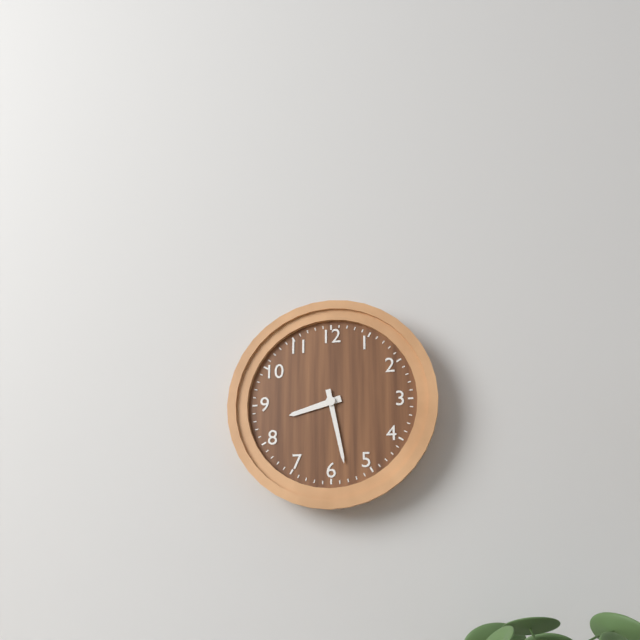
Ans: {"hour": 8, "minute": 28}
